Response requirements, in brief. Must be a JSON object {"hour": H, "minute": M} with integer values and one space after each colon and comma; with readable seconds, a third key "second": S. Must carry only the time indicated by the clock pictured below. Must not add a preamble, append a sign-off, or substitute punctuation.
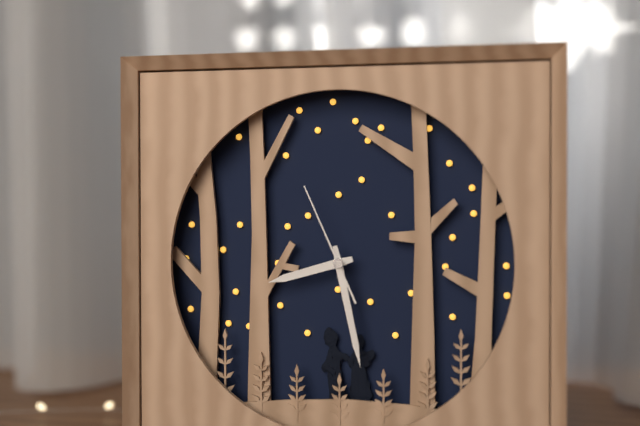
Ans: {"hour": 8, "minute": 28, "second": 56}
